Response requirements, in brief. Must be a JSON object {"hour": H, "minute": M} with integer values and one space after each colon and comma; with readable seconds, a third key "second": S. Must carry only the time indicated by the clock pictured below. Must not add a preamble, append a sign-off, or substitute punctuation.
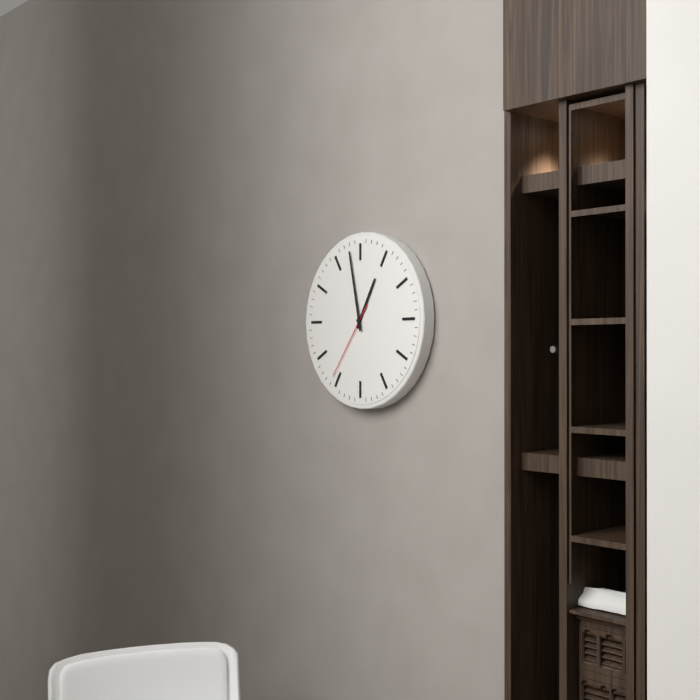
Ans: {"hour": 12, "minute": 58, "second": 36}
